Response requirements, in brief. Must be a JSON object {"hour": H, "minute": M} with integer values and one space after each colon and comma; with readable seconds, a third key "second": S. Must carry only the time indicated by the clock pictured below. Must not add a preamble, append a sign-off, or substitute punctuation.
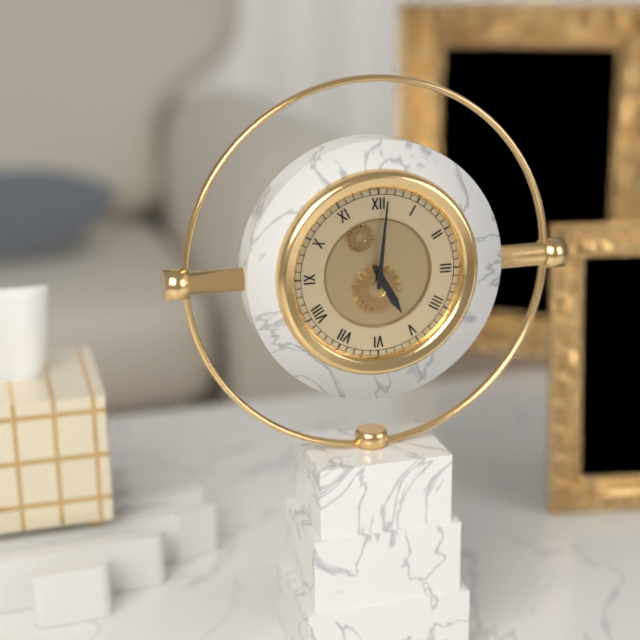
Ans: {"hour": 5, "minute": 1}
